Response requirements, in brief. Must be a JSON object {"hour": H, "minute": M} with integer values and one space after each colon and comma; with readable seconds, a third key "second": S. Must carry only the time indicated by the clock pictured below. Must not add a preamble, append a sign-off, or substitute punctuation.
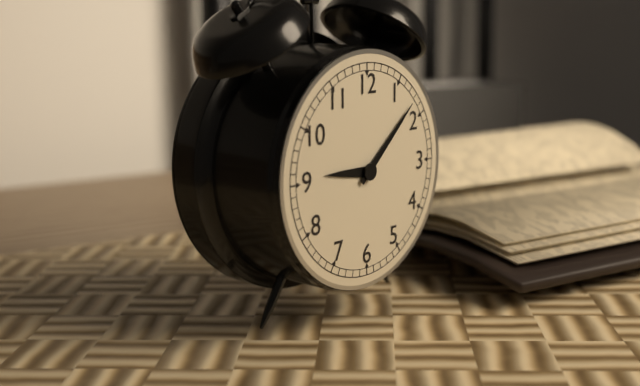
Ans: {"hour": 9, "minute": 8}
